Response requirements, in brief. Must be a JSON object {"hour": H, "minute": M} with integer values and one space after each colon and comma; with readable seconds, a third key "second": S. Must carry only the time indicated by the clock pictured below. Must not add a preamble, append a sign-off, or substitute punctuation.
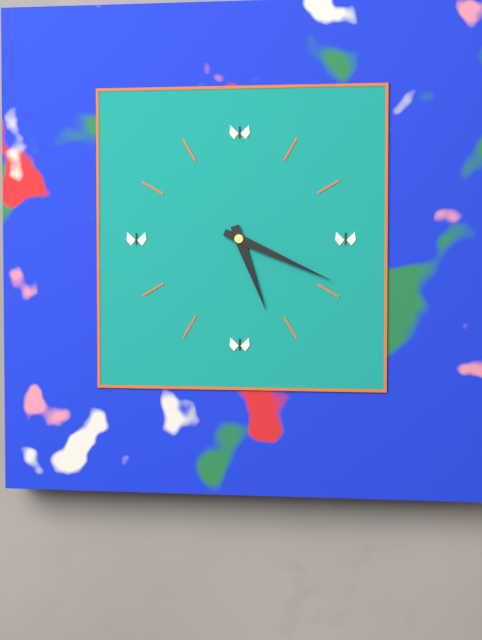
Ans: {"hour": 5, "minute": 19}
